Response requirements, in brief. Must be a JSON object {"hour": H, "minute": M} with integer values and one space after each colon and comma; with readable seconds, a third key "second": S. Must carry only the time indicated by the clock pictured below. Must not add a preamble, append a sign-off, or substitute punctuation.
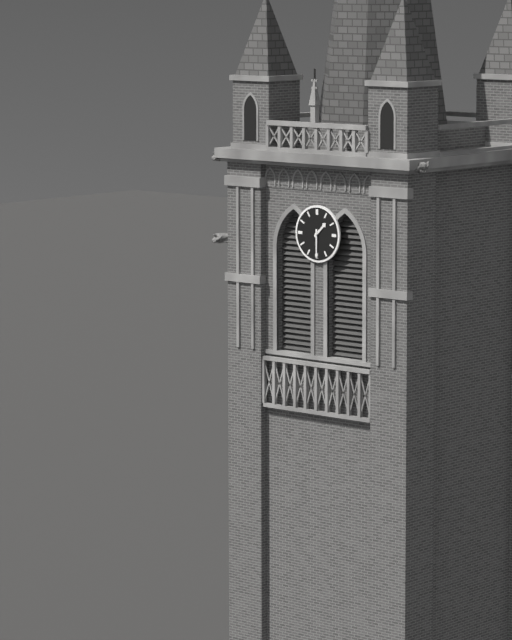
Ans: {"hour": 1, "minute": 30}
